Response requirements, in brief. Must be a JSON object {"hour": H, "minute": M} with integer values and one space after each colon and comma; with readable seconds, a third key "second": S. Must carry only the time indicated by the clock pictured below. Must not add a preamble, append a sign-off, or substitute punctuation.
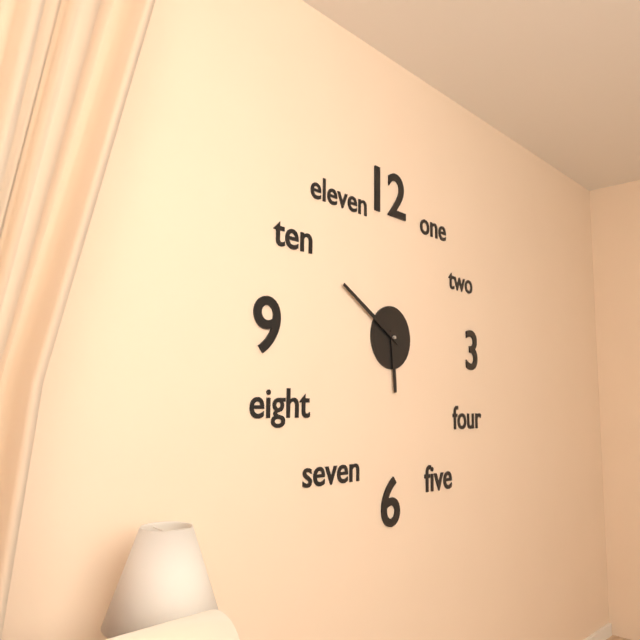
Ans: {"hour": 5, "minute": 50}
